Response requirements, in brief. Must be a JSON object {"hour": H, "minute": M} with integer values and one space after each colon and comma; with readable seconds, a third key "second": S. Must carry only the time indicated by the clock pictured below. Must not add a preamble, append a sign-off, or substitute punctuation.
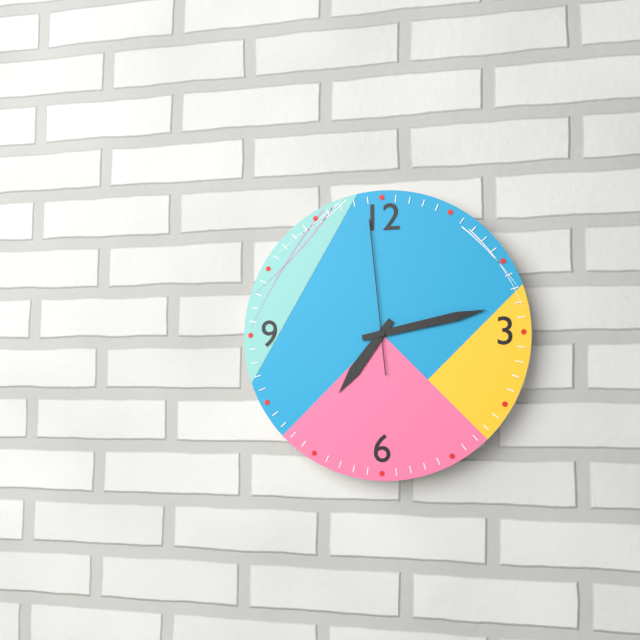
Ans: {"hour": 7, "minute": 13, "second": 59}
